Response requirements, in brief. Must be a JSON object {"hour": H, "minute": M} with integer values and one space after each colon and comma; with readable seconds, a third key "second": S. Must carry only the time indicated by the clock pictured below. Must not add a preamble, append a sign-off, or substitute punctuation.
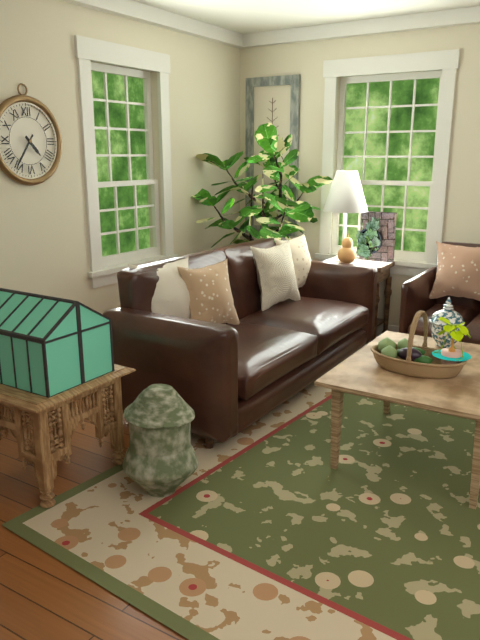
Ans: {"hour": 4, "minute": 36}
